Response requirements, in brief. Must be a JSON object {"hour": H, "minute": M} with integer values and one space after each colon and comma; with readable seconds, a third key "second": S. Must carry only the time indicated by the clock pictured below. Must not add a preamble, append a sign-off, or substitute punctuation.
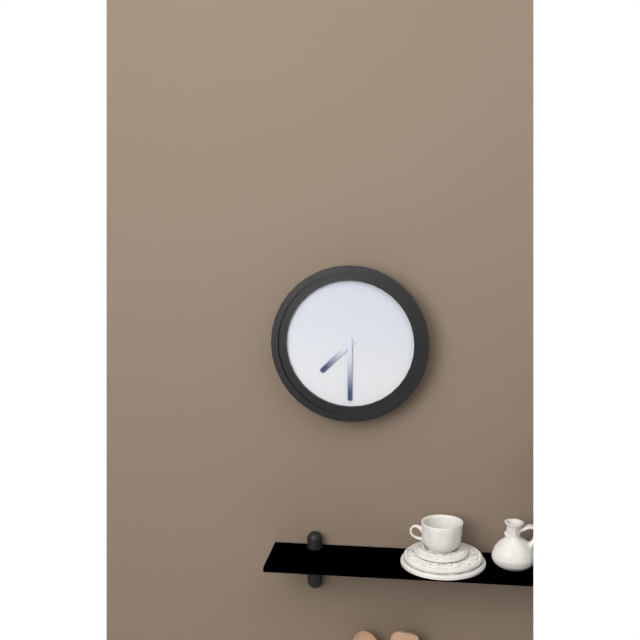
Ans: {"hour": 7, "minute": 30}
